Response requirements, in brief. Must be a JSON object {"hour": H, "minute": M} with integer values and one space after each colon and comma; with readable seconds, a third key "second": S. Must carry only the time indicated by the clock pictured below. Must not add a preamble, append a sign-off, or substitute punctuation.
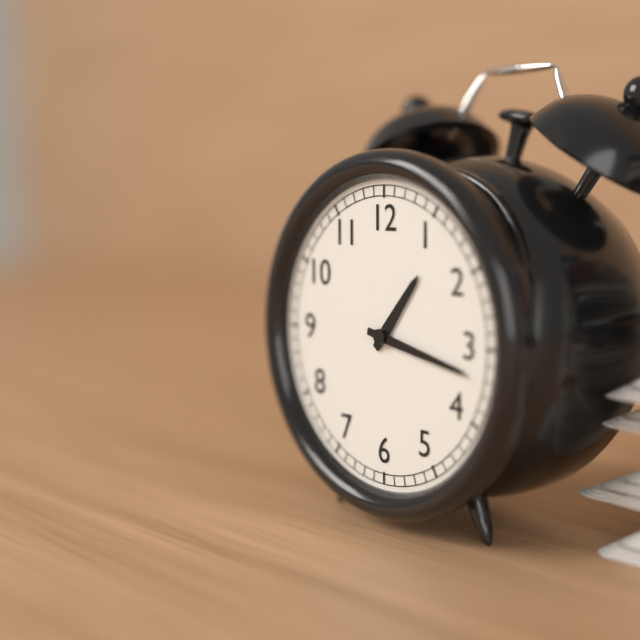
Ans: {"hour": 1, "minute": 17}
